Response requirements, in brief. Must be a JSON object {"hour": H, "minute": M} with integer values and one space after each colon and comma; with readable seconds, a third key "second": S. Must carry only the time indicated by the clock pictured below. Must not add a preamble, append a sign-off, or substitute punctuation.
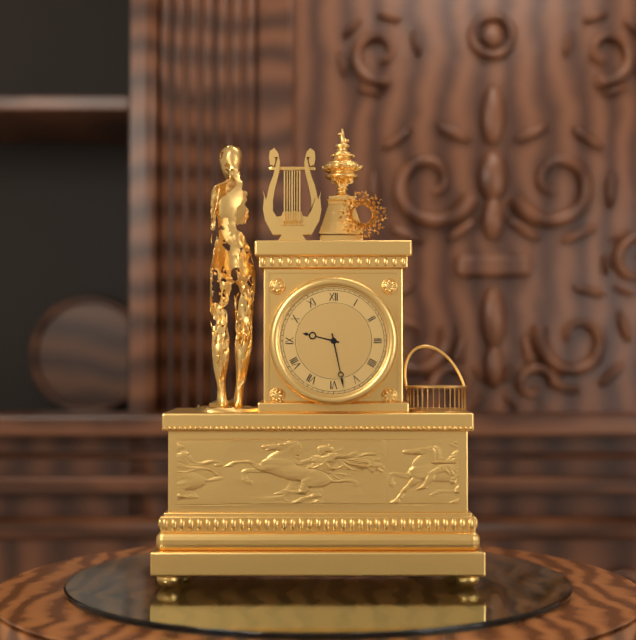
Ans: {"hour": 9, "minute": 28}
